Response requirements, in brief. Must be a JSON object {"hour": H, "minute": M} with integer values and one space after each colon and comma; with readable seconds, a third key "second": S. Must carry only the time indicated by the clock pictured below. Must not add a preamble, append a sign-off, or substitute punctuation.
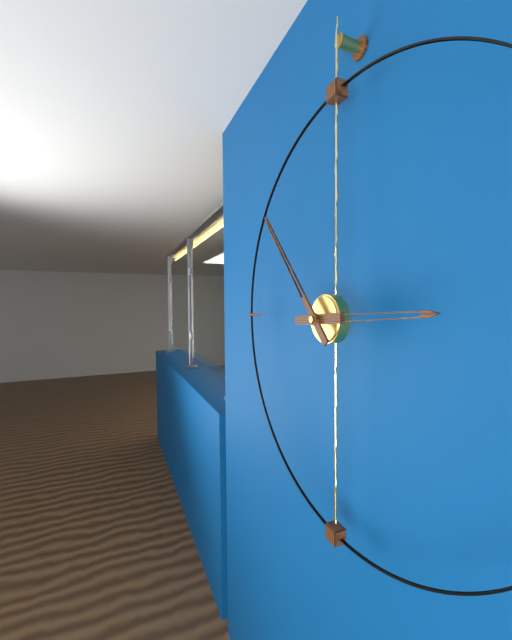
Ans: {"hour": 2, "minute": 53}
